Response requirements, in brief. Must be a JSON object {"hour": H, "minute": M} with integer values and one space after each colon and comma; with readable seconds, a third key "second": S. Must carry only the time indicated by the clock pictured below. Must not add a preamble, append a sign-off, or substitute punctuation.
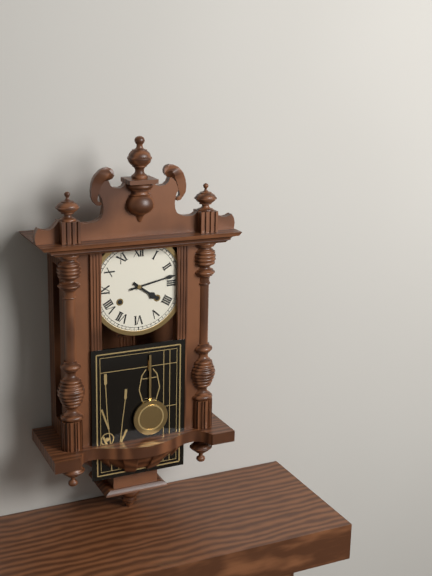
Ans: {"hour": 4, "minute": 13}
